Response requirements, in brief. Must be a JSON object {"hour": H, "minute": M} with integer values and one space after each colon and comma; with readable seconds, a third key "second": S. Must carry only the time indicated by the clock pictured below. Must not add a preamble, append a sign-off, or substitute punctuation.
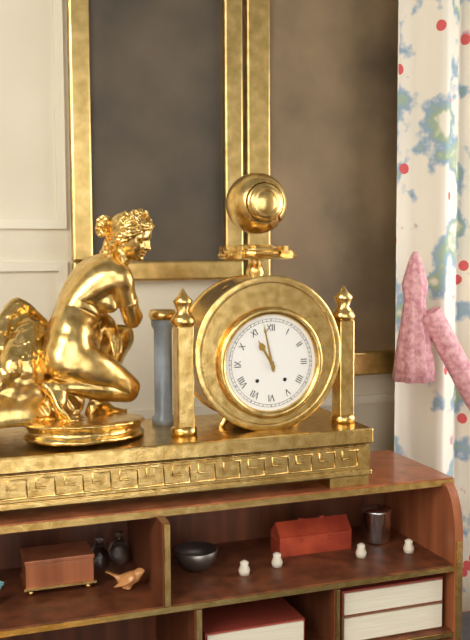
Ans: {"hour": 10, "minute": 58}
